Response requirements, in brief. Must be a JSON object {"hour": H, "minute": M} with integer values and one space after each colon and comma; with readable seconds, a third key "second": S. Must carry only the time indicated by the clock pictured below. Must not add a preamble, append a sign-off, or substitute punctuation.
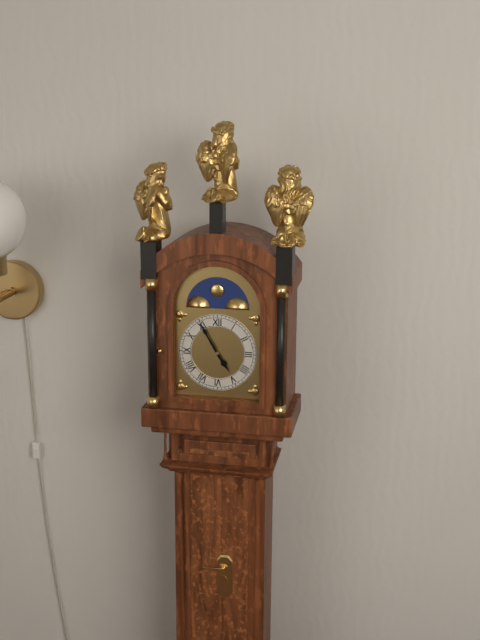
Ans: {"hour": 4, "minute": 55}
